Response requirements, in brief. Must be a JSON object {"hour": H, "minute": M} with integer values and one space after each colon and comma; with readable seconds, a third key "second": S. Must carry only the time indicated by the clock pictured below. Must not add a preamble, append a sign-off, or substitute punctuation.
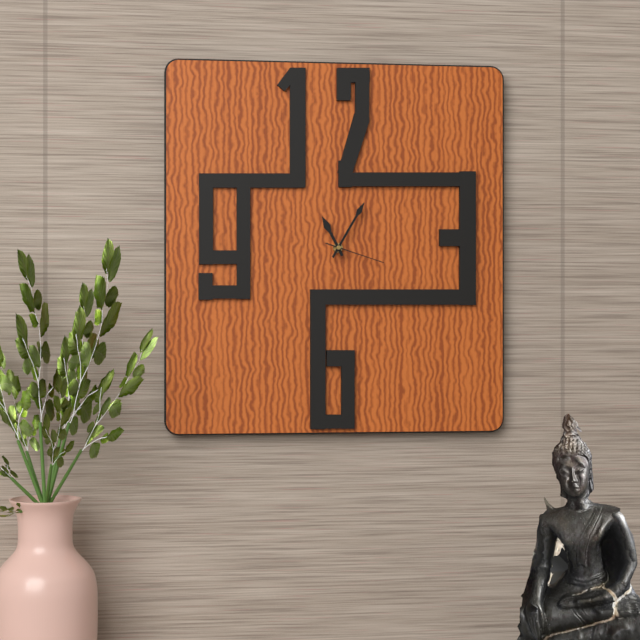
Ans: {"hour": 11, "minute": 5, "second": 18}
